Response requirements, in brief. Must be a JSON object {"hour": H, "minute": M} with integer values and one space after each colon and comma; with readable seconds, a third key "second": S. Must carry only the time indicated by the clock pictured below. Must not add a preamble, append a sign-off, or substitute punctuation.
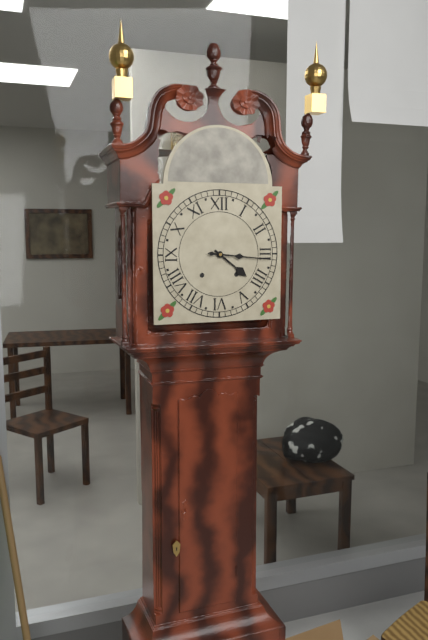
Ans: {"hour": 4, "minute": 16}
